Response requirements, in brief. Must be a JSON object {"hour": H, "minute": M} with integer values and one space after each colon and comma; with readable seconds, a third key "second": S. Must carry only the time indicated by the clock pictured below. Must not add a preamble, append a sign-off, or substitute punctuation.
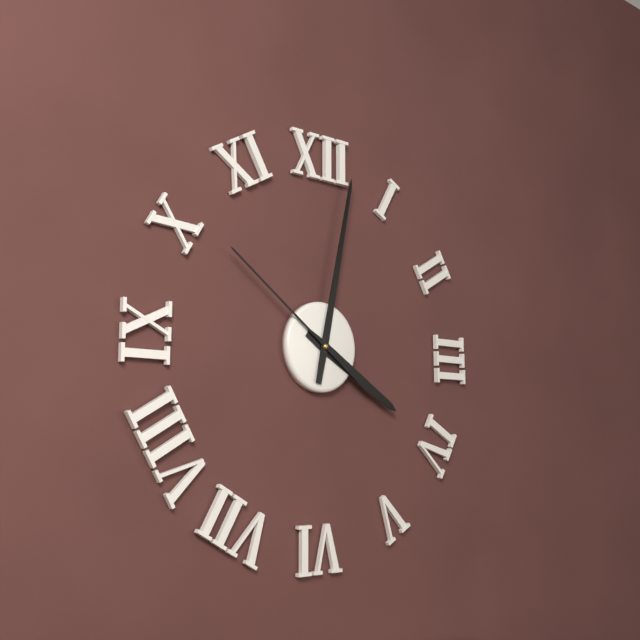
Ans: {"hour": 4, "minute": 2, "second": 51}
